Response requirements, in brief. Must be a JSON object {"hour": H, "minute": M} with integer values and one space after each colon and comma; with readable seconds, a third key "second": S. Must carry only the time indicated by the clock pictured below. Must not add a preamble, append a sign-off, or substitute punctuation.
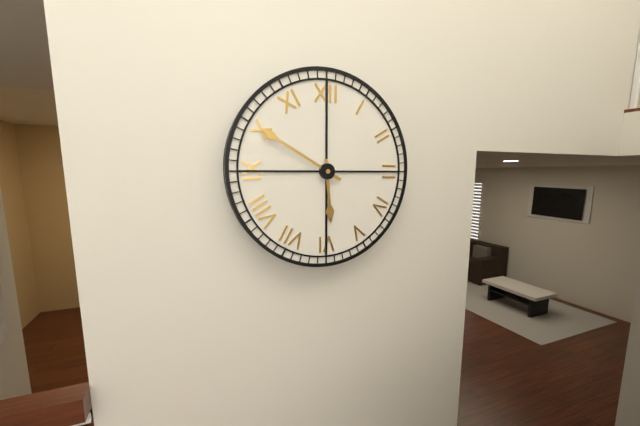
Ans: {"hour": 5, "minute": 50}
